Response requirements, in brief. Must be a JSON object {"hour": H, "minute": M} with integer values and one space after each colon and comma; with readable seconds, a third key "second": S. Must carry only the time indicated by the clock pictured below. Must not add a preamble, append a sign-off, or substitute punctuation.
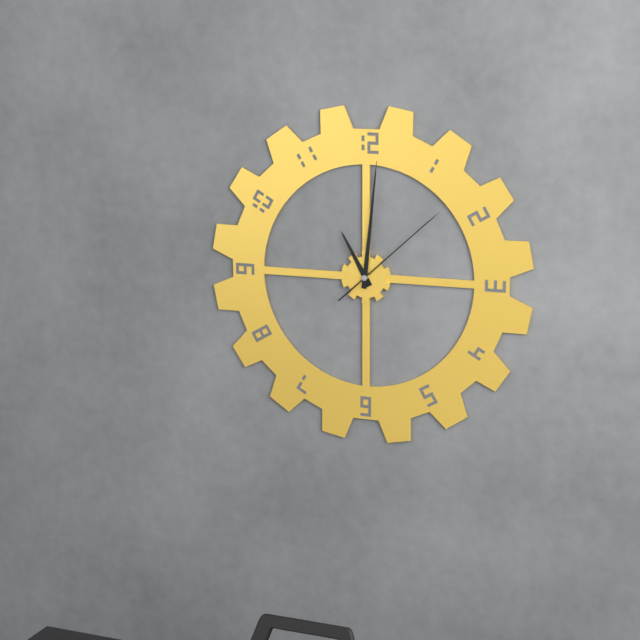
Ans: {"hour": 11, "minute": 1, "second": 8}
